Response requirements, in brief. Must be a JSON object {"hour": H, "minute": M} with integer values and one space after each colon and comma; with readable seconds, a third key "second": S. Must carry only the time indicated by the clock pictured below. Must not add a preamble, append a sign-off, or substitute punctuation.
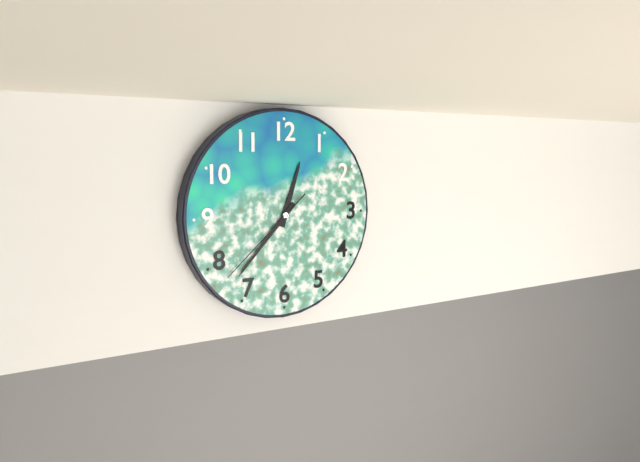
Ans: {"hour": 12, "minute": 37, "second": 38}
